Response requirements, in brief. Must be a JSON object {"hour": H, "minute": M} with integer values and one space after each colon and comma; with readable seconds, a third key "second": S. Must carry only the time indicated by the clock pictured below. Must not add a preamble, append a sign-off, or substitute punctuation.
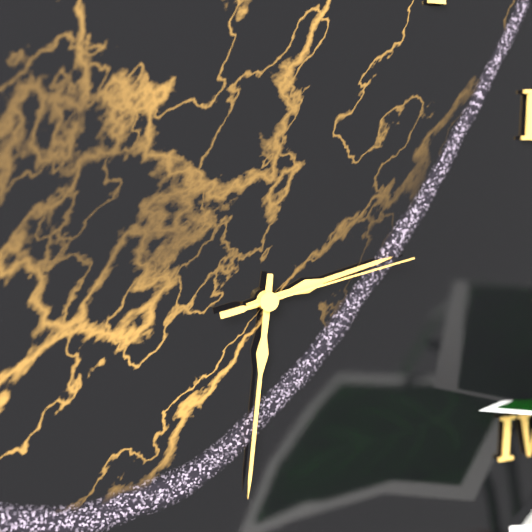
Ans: {"hour": 2, "minute": 31, "second": 13}
